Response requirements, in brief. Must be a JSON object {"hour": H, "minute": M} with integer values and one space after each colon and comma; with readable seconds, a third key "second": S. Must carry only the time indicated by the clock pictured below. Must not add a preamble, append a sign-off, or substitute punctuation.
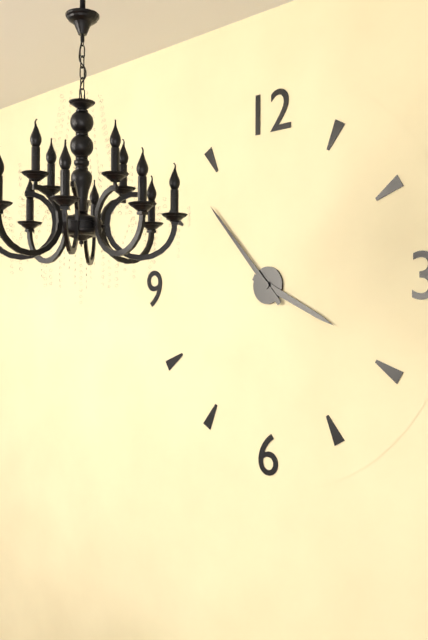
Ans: {"hour": 3, "minute": 53}
